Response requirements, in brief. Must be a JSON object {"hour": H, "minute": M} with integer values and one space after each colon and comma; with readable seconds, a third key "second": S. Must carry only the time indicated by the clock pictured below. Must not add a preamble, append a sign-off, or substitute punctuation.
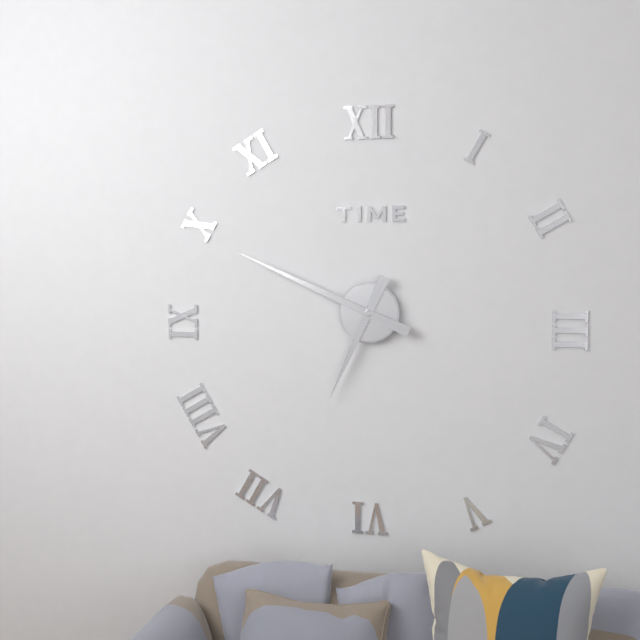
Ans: {"hour": 6, "minute": 49}
